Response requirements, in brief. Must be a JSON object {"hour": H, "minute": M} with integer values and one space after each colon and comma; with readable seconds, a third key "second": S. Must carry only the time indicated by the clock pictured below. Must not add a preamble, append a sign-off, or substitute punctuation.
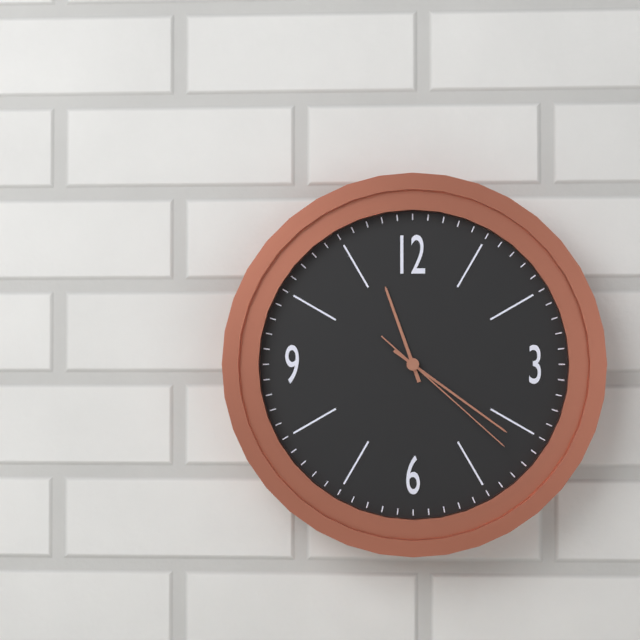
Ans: {"hour": 11, "minute": 21, "second": 22}
